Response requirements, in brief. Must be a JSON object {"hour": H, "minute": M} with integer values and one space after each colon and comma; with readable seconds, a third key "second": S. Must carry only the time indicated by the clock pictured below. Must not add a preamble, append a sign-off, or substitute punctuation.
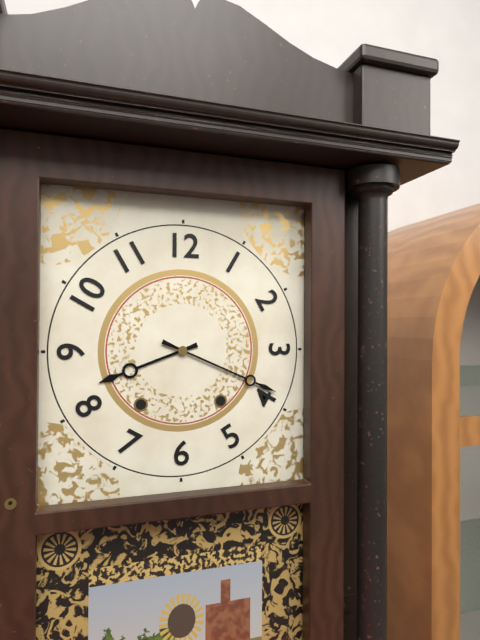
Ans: {"hour": 8, "minute": 19}
